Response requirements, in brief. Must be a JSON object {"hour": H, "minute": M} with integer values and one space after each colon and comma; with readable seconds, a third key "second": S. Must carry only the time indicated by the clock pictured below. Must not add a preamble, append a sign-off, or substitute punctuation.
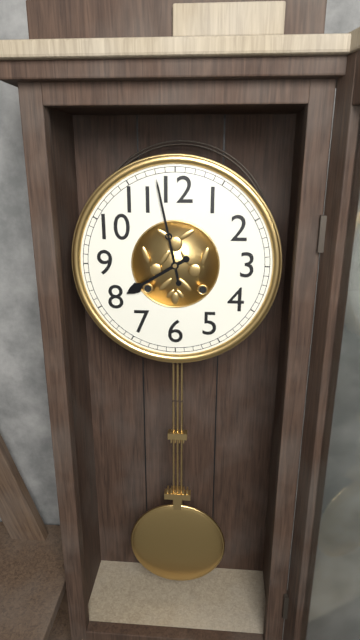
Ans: {"hour": 7, "minute": 58}
